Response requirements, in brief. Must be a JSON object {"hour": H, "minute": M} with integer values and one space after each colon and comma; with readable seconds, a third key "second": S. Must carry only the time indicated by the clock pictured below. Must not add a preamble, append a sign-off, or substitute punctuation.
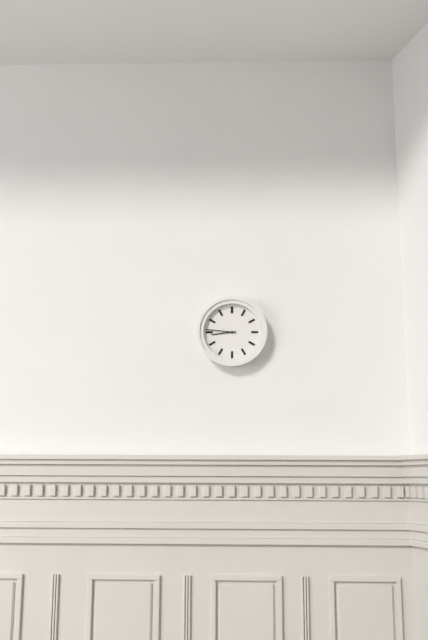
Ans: {"hour": 8, "minute": 46}
